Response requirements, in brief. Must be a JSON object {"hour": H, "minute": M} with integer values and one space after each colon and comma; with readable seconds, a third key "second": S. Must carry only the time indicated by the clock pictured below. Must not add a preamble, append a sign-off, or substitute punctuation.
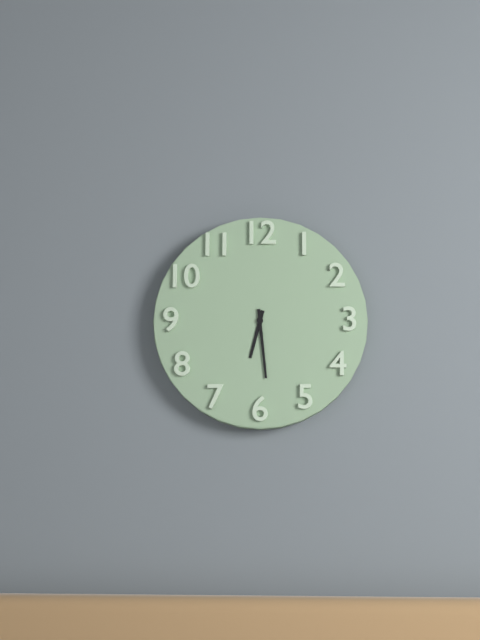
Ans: {"hour": 6, "minute": 29}
